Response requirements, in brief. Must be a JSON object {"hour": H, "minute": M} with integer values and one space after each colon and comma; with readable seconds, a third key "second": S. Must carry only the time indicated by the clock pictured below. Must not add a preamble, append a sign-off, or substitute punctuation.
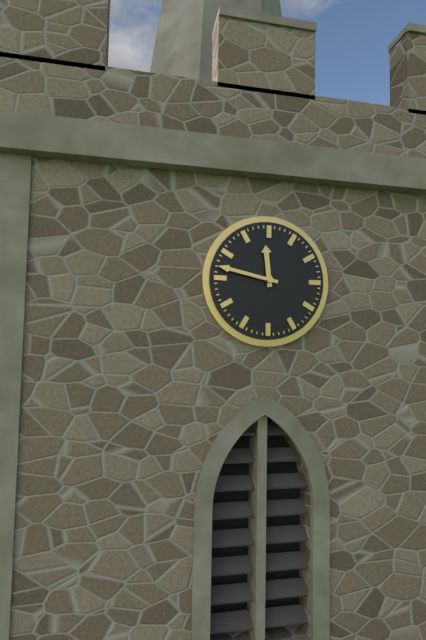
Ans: {"hour": 11, "minute": 47}
